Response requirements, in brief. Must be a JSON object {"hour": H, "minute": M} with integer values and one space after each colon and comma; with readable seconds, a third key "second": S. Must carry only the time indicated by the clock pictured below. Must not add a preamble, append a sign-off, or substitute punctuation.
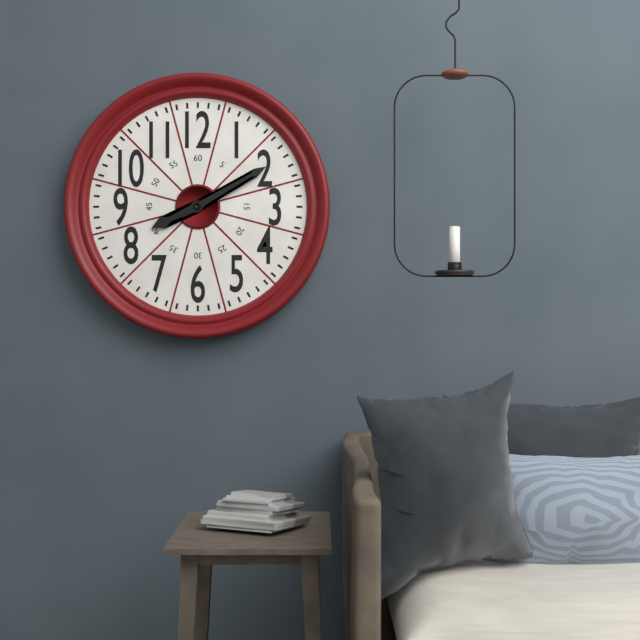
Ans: {"hour": 8, "minute": 10}
